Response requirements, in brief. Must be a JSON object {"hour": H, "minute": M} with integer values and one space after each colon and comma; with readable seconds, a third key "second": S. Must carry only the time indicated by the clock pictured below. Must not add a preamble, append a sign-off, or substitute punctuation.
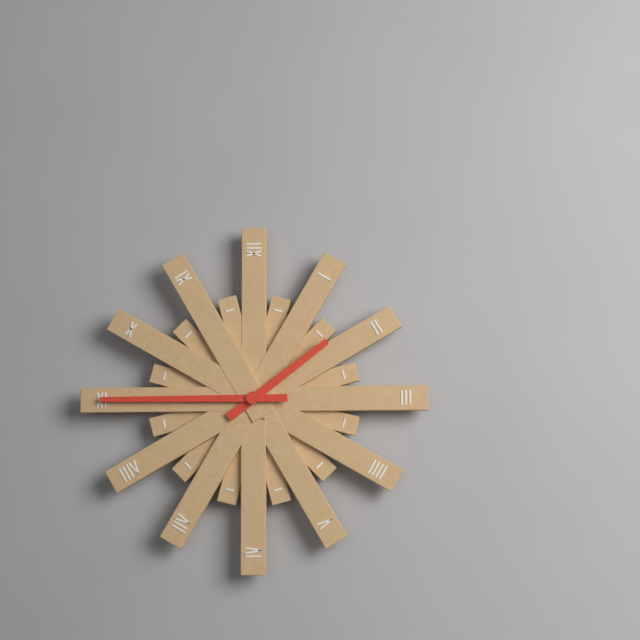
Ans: {"hour": 1, "minute": 45}
